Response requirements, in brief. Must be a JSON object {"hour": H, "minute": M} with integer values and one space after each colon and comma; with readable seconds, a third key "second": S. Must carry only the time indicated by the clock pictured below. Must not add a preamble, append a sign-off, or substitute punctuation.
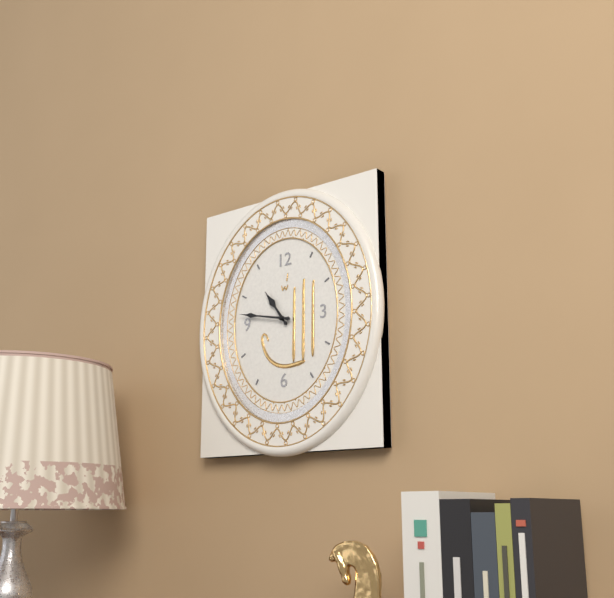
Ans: {"hour": 10, "minute": 47}
